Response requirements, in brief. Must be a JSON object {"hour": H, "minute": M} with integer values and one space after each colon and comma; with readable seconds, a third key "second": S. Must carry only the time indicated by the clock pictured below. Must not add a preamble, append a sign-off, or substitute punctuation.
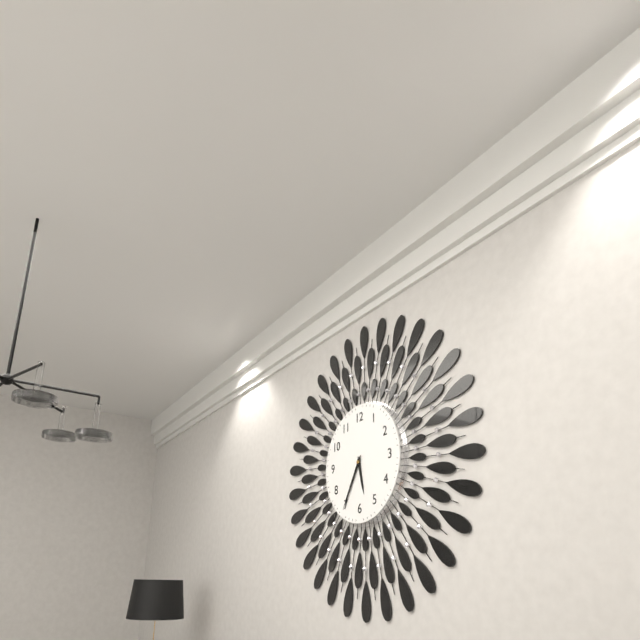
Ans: {"hour": 5, "minute": 35}
